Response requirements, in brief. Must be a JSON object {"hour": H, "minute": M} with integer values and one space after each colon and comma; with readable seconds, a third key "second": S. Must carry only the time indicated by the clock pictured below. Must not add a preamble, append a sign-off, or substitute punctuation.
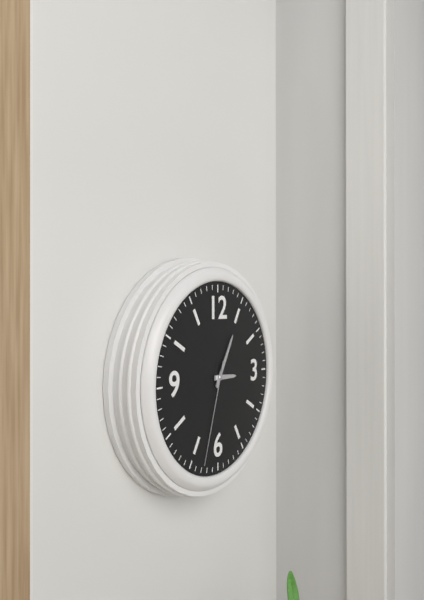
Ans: {"hour": 3, "minute": 5, "second": 33}
